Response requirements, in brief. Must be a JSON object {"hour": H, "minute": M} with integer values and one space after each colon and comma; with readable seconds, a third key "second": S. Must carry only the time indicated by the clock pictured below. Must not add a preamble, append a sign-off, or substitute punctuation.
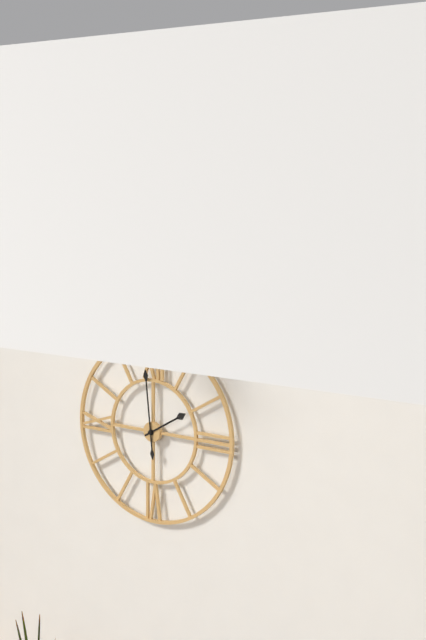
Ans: {"hour": 1, "minute": 59}
